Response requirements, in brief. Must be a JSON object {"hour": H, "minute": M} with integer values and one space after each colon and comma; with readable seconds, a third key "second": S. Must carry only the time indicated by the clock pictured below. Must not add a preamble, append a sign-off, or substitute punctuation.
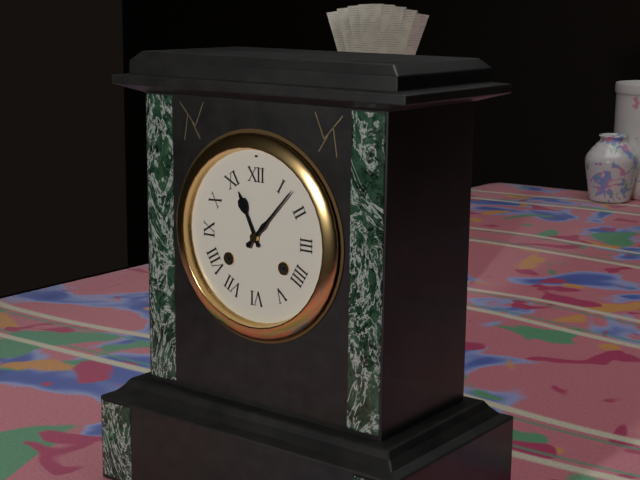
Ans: {"hour": 11, "minute": 7}
